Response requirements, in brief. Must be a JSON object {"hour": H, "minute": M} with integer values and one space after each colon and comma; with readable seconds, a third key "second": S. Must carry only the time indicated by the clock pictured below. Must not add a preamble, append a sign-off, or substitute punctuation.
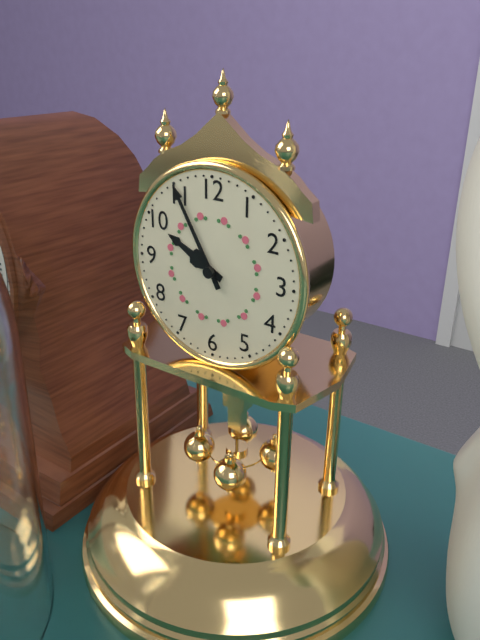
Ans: {"hour": 9, "minute": 55}
